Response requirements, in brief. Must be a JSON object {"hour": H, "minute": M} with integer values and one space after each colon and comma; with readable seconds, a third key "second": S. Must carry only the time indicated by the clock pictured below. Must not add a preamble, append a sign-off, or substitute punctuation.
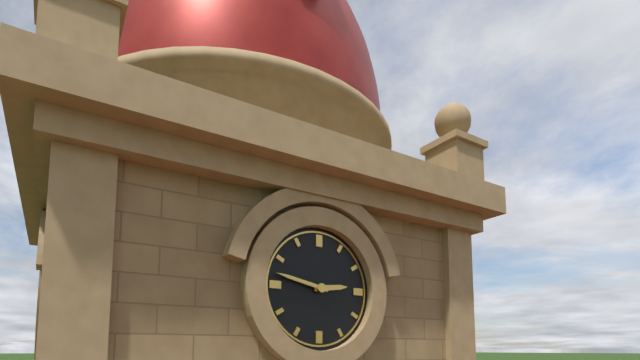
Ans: {"hour": 2, "minute": 47}
